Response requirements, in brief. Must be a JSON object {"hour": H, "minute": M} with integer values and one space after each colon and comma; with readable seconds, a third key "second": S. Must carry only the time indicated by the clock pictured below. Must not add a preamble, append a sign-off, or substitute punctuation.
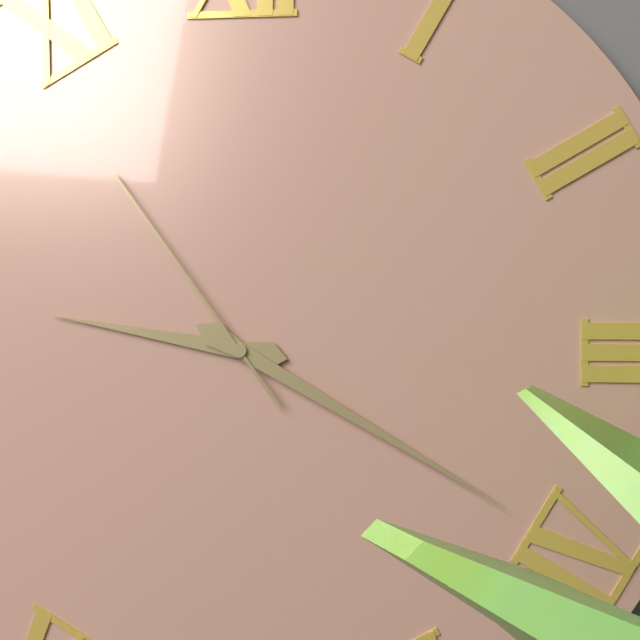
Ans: {"hour": 9, "minute": 20, "second": 54}
